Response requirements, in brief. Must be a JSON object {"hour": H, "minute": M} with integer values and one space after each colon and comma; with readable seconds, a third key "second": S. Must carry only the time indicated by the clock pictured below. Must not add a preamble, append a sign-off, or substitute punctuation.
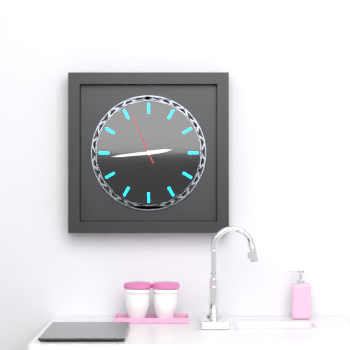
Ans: {"hour": 2, "minute": 44, "second": 56}
